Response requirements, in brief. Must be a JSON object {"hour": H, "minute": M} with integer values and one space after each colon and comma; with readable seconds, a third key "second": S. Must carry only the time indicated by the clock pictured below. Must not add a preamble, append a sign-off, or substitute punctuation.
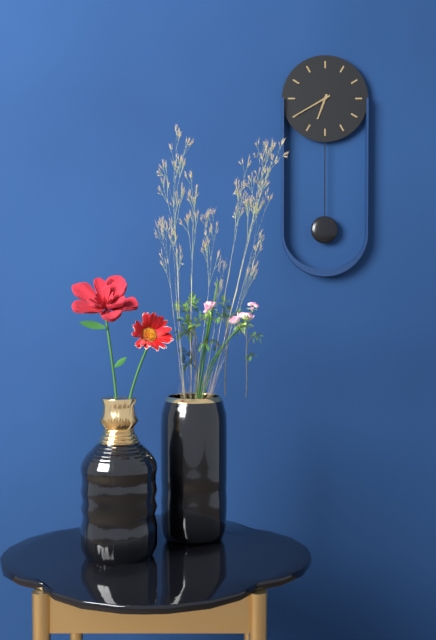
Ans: {"hour": 6, "minute": 40}
